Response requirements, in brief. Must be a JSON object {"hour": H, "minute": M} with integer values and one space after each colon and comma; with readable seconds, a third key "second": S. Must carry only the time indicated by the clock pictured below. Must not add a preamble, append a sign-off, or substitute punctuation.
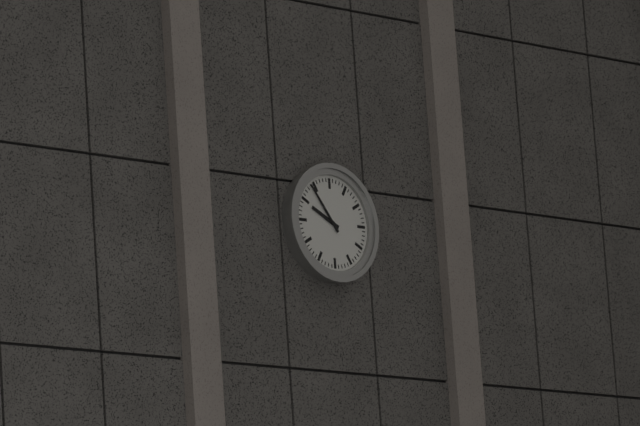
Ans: {"hour": 9, "minute": 54}
